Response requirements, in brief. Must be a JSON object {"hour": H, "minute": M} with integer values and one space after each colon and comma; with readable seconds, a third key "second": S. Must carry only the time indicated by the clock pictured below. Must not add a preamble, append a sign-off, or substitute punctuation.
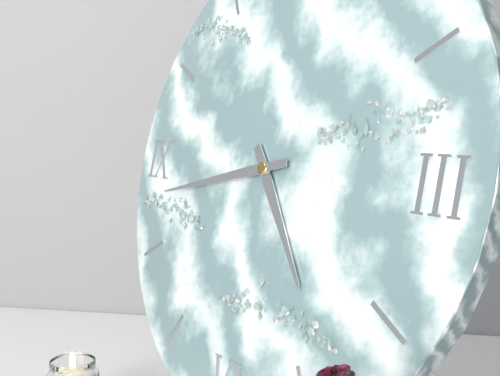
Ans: {"hour": 4, "minute": 43}
